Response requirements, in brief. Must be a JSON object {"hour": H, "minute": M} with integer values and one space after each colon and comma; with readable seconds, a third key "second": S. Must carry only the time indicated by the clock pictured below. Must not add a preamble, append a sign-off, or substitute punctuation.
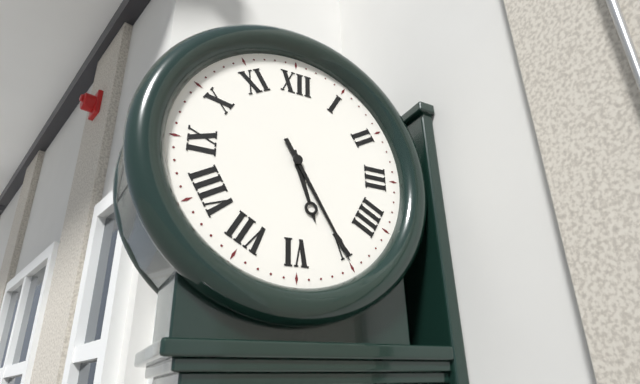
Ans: {"hour": 5, "minute": 25}
